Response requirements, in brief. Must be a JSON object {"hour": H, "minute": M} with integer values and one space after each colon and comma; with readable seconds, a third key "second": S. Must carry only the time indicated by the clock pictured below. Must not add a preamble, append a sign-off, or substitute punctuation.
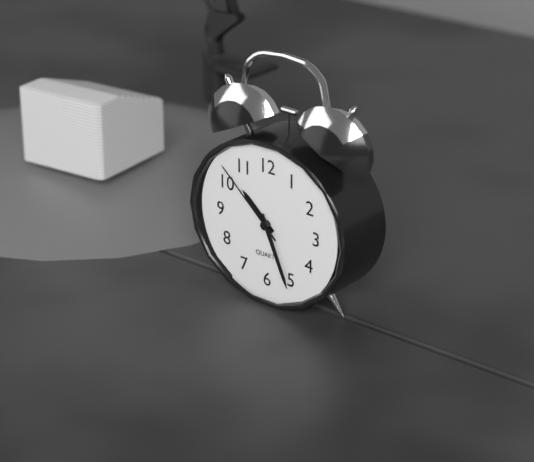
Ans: {"hour": 10, "minute": 26, "second": 52}
